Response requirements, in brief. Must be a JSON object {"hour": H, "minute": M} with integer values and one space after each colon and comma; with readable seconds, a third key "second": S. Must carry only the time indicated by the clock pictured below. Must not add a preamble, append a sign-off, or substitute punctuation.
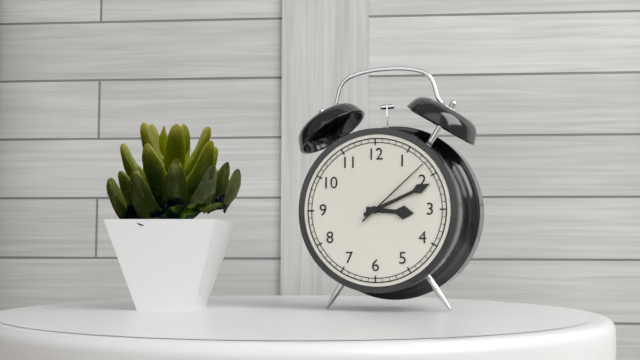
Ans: {"hour": 3, "minute": 11, "second": 8}
